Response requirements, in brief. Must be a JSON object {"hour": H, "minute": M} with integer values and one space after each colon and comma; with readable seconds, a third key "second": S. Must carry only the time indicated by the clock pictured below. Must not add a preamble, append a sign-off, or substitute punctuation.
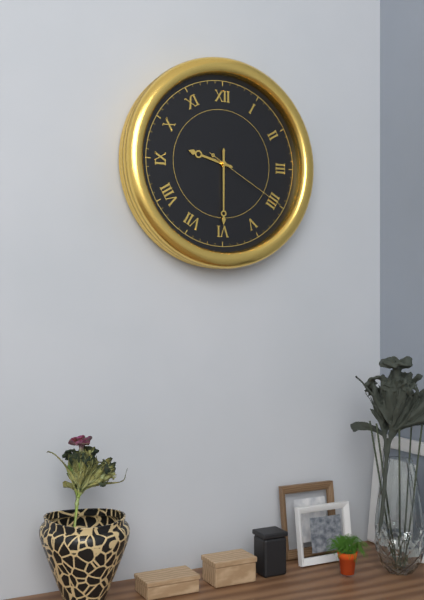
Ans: {"hour": 9, "minute": 30, "second": 20}
